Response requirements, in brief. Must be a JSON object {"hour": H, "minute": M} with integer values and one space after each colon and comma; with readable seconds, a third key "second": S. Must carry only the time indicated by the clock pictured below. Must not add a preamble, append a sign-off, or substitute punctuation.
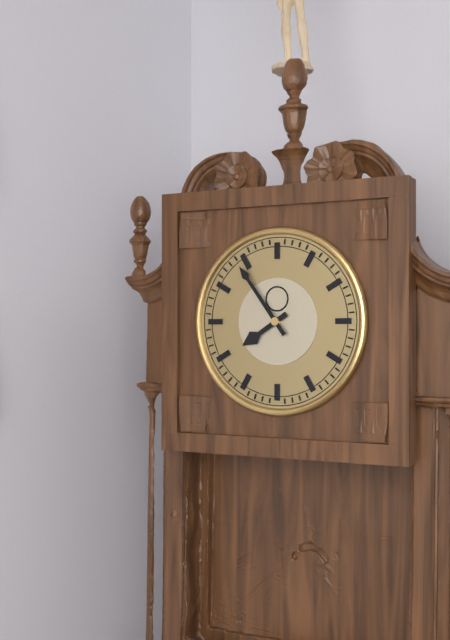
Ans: {"hour": 7, "minute": 54}
